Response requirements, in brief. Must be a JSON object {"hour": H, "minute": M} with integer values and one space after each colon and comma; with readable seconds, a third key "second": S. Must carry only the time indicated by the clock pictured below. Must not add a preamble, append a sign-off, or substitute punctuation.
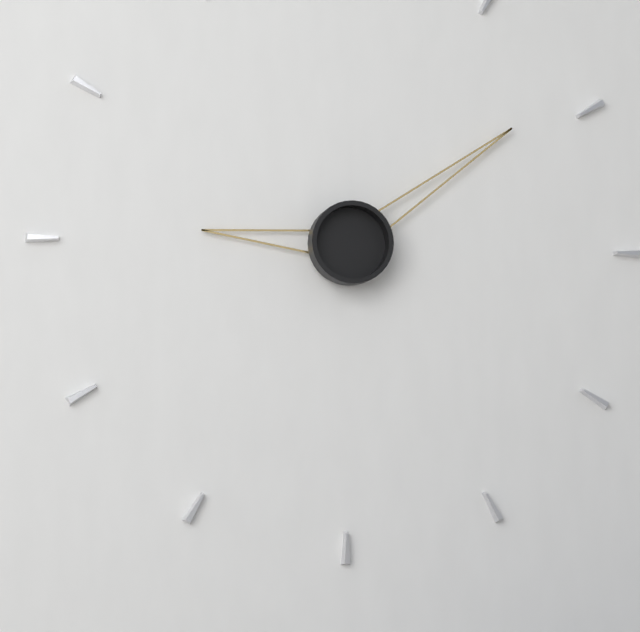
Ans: {"hour": 9, "minute": 9}
